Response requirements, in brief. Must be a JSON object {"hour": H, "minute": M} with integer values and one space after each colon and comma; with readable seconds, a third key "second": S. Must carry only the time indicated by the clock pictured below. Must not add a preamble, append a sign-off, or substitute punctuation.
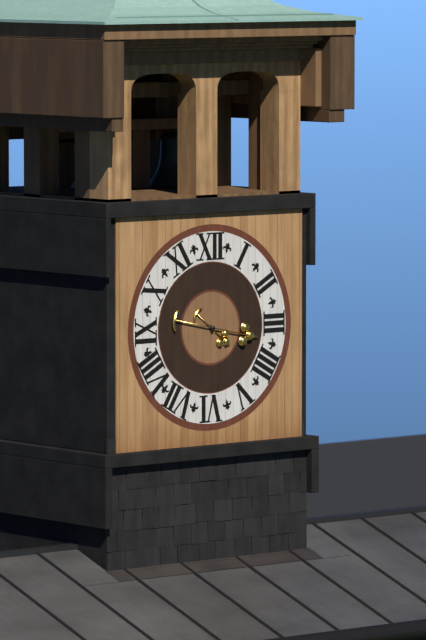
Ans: {"hour": 4, "minute": 17}
